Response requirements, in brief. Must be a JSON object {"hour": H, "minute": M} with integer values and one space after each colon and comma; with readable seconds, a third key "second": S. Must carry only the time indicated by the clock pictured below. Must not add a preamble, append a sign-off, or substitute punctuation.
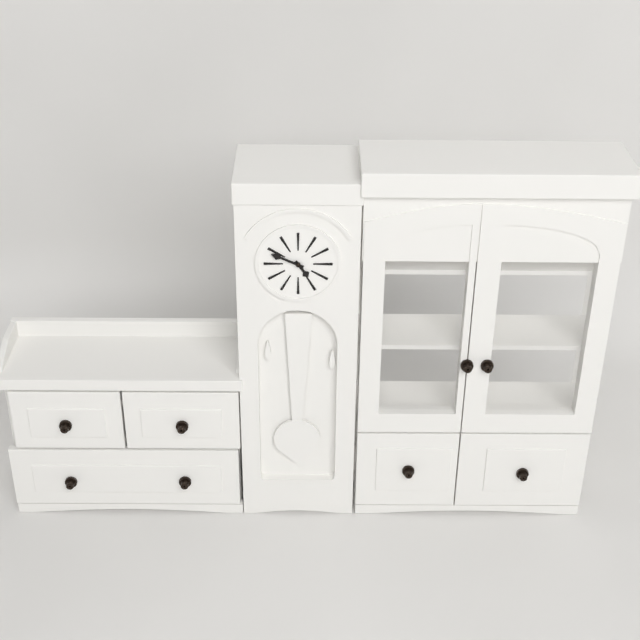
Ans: {"hour": 4, "minute": 49}
